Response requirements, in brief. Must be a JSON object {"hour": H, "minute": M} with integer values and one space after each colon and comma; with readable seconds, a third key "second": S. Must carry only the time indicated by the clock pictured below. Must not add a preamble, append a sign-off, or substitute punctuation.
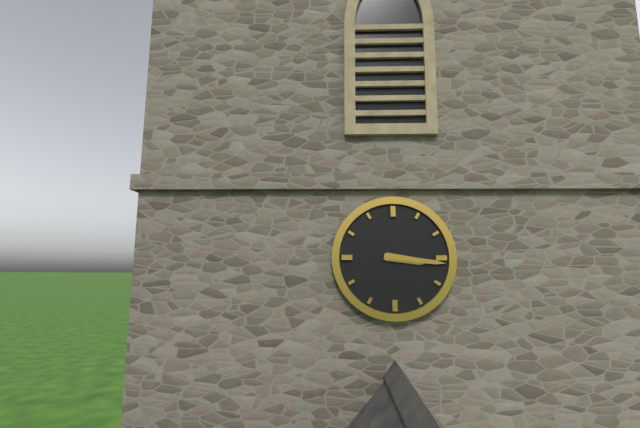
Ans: {"hour": 3, "minute": 16}
